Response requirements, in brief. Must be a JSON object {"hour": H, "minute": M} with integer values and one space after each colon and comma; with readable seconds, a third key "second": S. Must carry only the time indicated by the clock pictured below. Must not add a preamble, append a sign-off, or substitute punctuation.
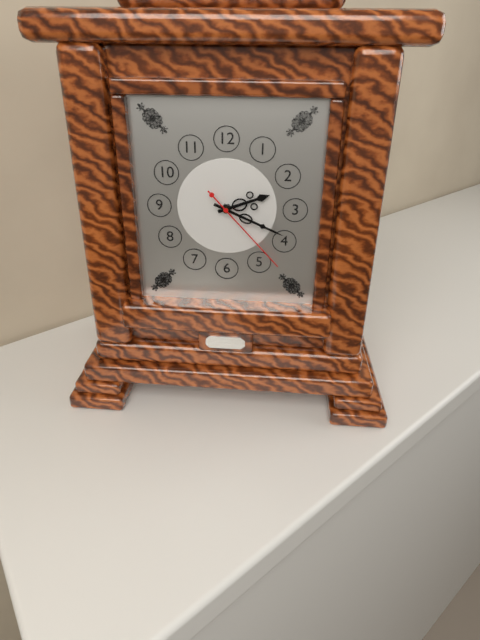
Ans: {"hour": 2, "minute": 19, "second": 23}
